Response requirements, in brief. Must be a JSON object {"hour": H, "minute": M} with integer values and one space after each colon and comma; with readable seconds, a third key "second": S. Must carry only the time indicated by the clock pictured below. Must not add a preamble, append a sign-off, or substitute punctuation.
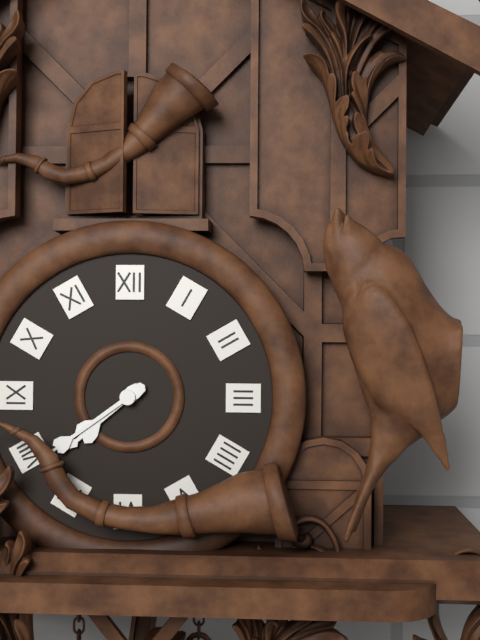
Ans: {"hour": 7, "minute": 39}
